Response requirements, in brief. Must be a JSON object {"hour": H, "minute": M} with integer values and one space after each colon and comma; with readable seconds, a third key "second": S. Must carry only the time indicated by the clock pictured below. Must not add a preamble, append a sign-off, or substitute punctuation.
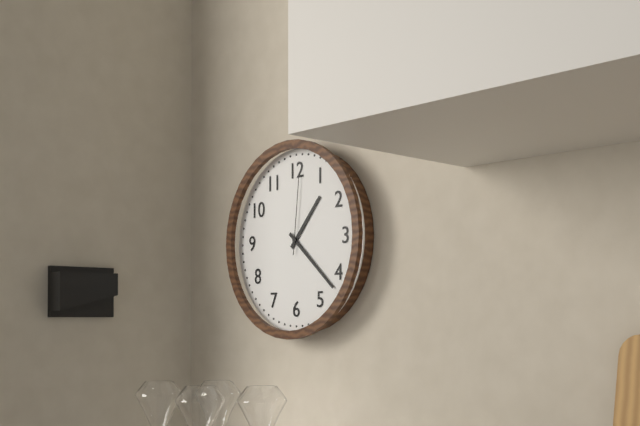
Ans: {"hour": 1, "minute": 22, "second": 1}
